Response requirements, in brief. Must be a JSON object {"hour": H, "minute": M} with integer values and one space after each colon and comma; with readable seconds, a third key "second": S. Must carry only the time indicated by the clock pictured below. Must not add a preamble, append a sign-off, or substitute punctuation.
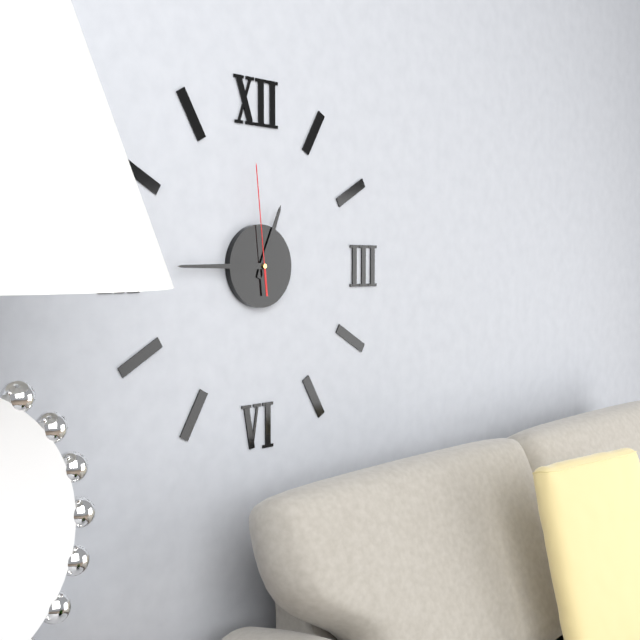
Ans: {"hour": 12, "minute": 45, "second": 59}
